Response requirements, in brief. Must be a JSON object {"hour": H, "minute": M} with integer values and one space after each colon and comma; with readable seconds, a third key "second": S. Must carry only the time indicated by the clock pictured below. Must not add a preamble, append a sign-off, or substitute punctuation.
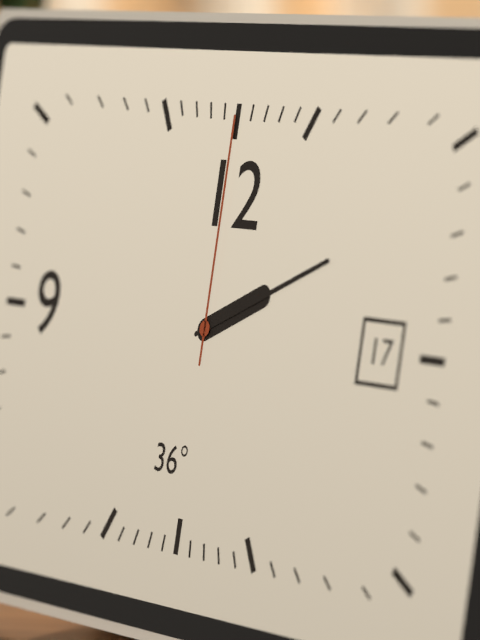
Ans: {"hour": 2, "minute": 11, "second": 0}
